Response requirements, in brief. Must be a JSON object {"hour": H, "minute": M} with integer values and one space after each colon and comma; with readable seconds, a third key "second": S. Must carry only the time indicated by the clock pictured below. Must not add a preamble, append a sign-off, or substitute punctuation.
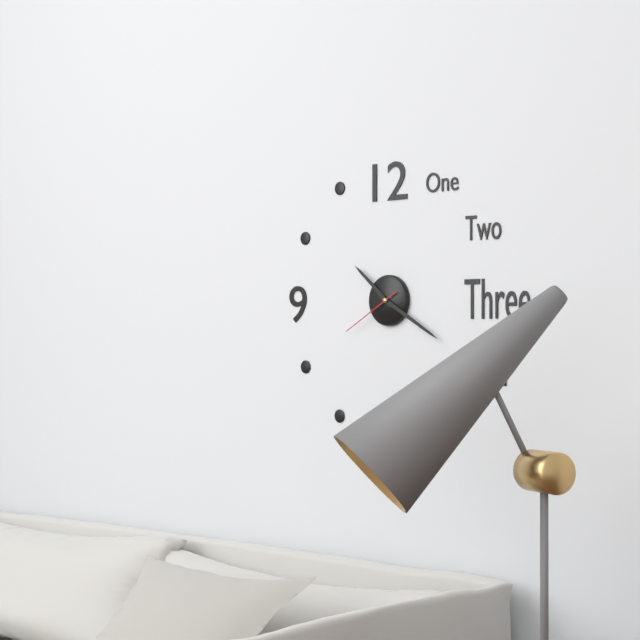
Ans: {"hour": 10, "minute": 20, "second": 40}
